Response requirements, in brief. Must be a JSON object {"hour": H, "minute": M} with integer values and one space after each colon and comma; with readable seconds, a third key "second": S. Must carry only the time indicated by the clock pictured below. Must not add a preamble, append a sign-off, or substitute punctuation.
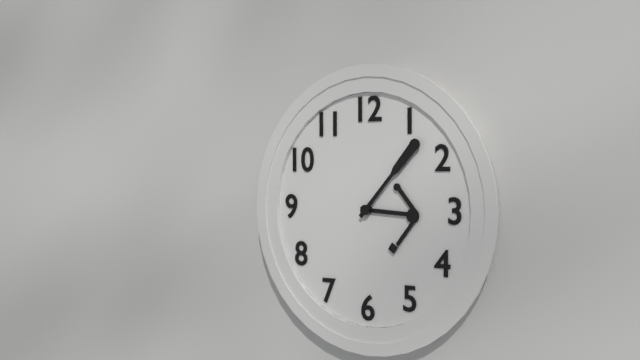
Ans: {"hour": 3, "minute": 7}
